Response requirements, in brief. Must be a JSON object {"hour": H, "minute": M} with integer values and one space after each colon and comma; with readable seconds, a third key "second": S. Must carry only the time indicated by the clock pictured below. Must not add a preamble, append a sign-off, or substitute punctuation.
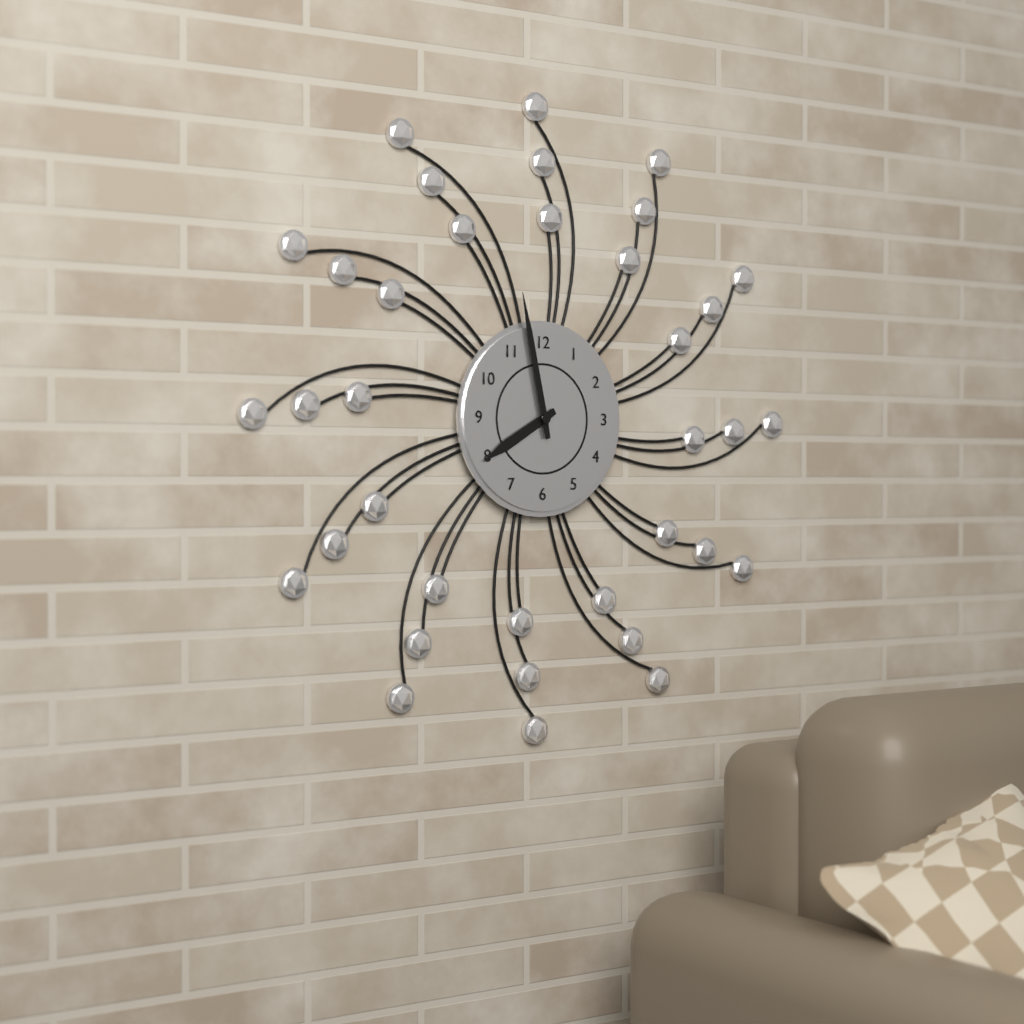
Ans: {"hour": 7, "minute": 58}
